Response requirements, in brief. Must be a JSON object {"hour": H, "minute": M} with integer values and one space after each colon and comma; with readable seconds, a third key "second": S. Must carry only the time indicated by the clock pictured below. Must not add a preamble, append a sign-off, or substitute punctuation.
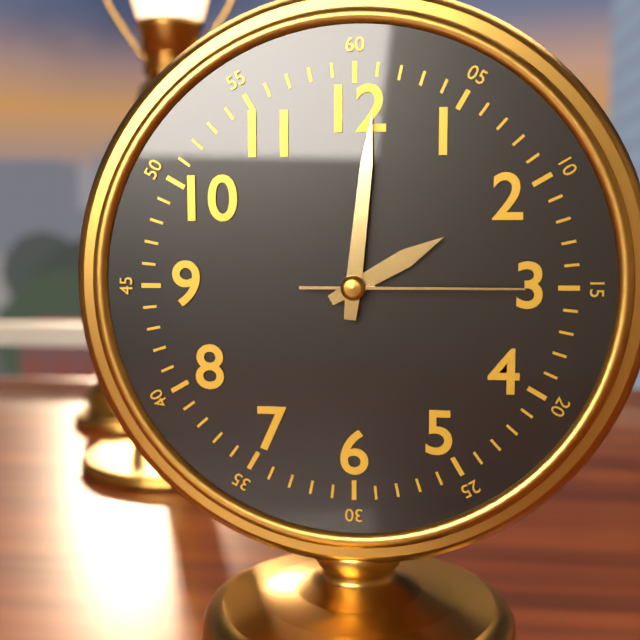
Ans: {"hour": 2, "minute": 1, "second": 15}
